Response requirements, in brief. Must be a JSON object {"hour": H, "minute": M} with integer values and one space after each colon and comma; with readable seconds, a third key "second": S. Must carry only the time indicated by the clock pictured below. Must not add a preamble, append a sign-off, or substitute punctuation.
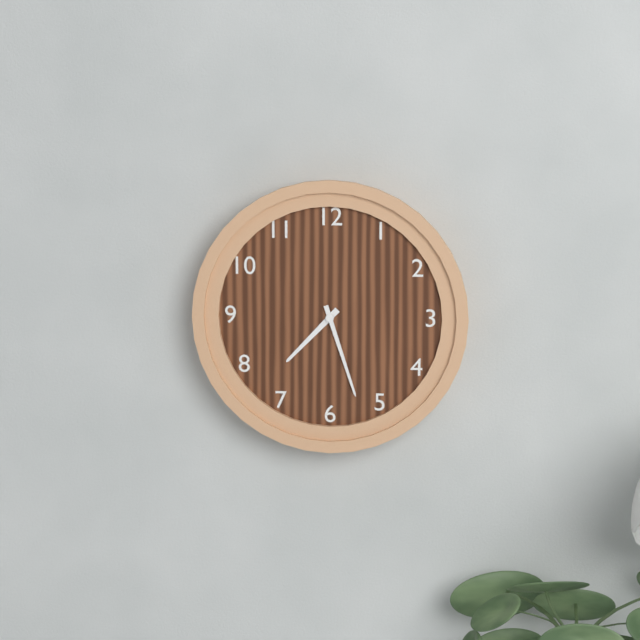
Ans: {"hour": 7, "minute": 27}
